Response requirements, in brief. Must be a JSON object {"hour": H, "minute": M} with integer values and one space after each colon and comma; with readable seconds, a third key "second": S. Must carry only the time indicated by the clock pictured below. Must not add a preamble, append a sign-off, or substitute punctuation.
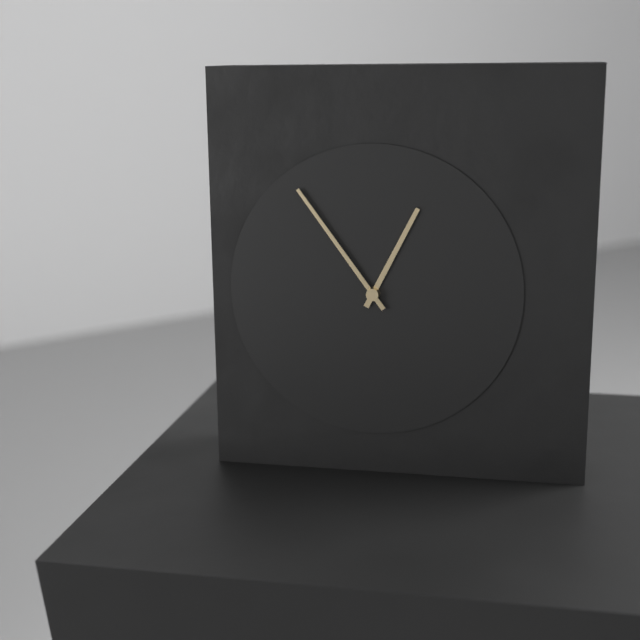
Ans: {"hour": 12, "minute": 54}
